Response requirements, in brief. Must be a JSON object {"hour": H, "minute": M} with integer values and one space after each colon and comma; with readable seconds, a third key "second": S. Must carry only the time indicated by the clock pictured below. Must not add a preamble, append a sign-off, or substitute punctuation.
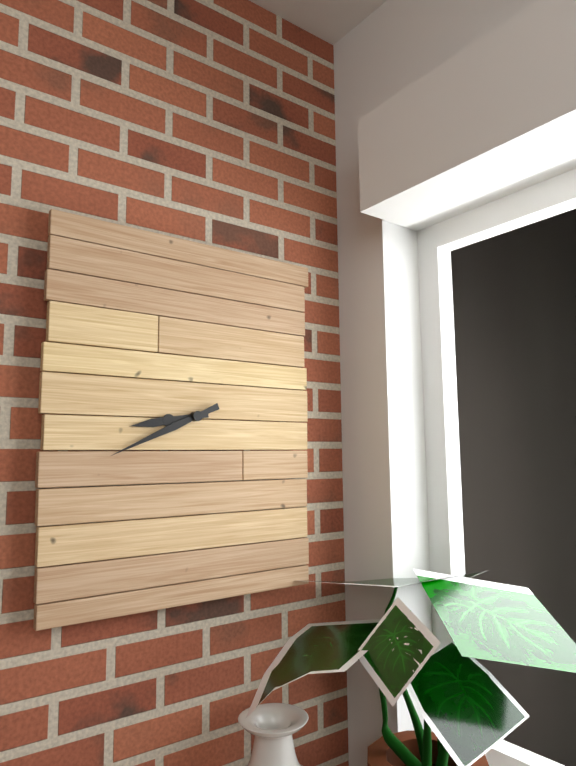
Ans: {"hour": 8, "minute": 41}
